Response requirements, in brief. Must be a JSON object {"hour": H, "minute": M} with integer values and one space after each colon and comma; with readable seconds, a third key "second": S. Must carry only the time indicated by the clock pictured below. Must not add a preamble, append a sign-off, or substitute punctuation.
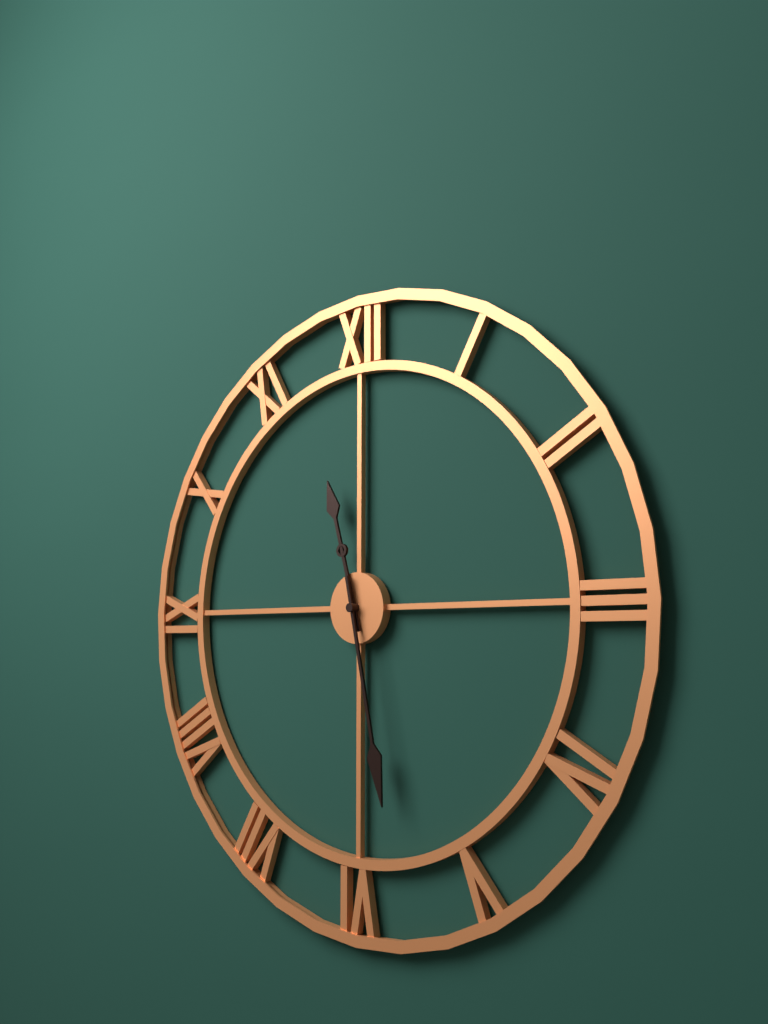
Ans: {"hour": 11, "minute": 28}
